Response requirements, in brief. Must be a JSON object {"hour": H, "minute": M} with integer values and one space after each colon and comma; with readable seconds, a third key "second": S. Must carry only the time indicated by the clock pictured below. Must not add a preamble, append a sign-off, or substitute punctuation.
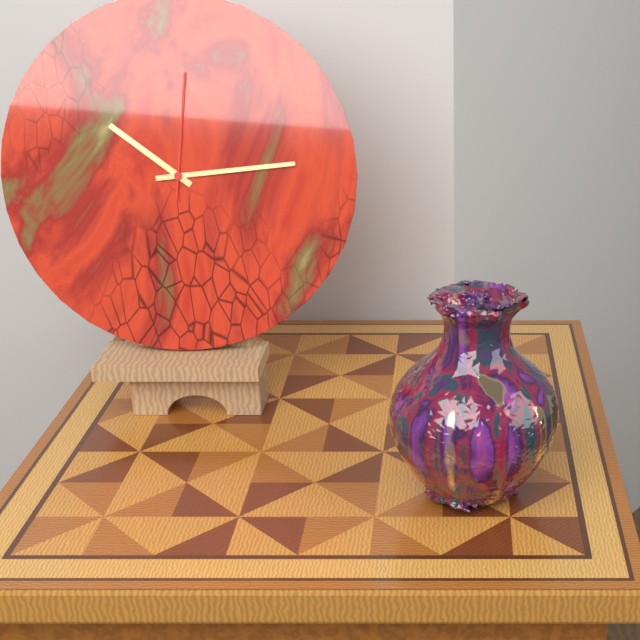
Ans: {"hour": 10, "minute": 14, "second": 1}
